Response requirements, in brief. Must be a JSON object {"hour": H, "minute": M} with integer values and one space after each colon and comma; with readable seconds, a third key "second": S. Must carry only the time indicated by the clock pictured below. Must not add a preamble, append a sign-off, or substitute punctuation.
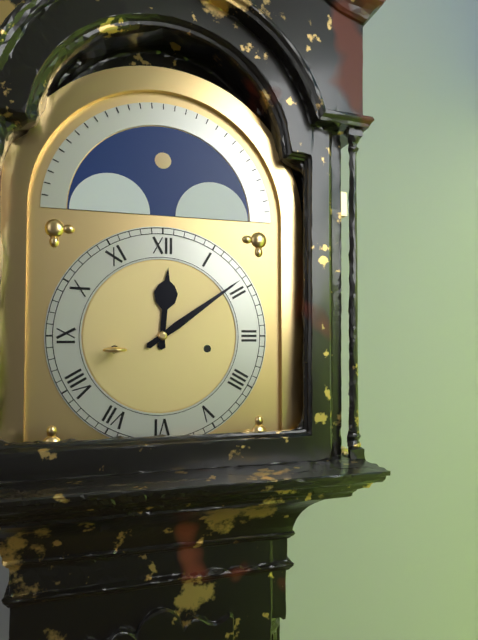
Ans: {"hour": 12, "minute": 9}
